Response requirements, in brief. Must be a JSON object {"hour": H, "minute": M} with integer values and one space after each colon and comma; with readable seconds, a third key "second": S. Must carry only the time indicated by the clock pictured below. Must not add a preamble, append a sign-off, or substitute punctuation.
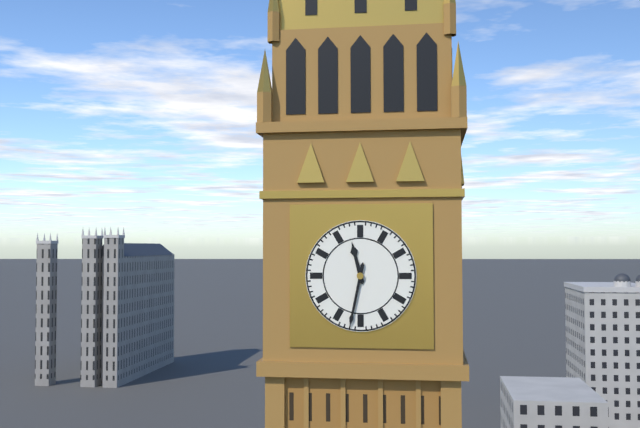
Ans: {"hour": 11, "minute": 32}
